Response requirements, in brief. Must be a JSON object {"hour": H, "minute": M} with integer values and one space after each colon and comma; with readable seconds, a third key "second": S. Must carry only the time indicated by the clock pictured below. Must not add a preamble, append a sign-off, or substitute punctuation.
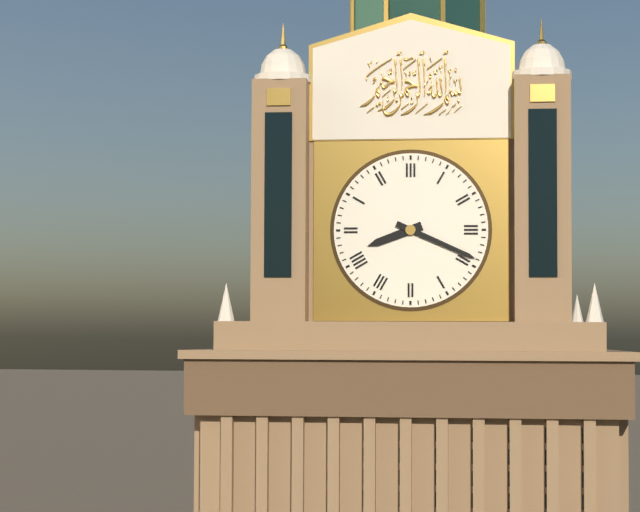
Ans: {"hour": 8, "minute": 19}
